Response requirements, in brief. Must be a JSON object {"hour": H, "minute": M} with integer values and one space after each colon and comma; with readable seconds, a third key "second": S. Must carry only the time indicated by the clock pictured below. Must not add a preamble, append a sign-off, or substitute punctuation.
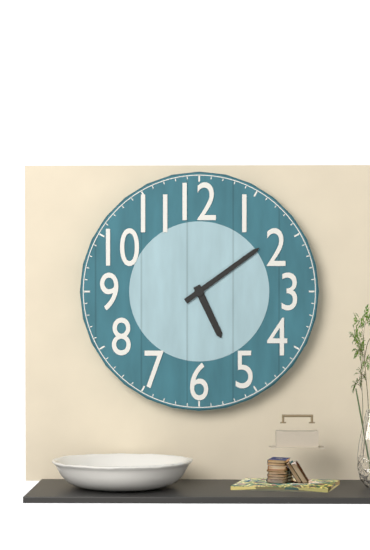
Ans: {"hour": 5, "minute": 9}
